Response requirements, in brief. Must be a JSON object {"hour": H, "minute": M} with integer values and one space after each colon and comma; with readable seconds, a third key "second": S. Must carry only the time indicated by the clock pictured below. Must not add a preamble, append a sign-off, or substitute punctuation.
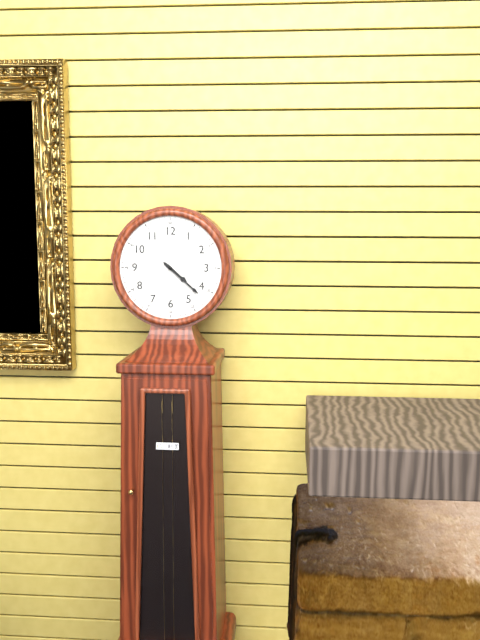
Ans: {"hour": 4, "minute": 22}
